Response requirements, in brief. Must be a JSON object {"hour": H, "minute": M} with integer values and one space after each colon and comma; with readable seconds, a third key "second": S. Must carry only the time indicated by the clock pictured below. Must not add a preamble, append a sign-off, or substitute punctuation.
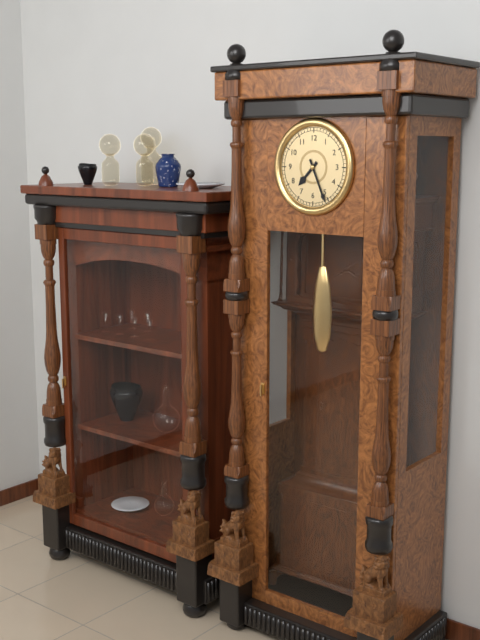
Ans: {"hour": 7, "minute": 26}
